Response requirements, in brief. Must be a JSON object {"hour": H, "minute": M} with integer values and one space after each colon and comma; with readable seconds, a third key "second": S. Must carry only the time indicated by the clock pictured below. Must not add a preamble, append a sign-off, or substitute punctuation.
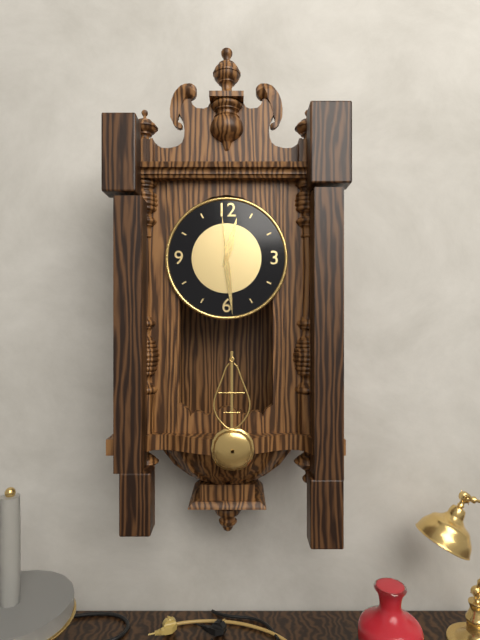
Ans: {"hour": 12, "minute": 29, "second": 59}
